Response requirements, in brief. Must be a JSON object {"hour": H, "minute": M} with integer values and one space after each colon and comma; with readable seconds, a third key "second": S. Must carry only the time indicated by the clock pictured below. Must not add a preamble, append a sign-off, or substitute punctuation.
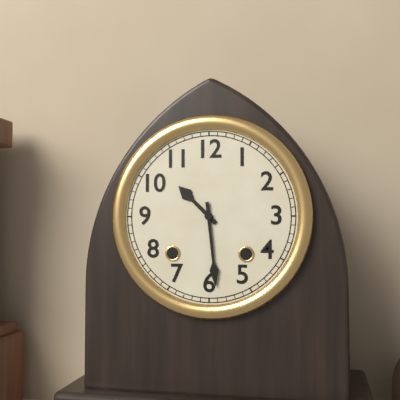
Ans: {"hour": 10, "minute": 29}
